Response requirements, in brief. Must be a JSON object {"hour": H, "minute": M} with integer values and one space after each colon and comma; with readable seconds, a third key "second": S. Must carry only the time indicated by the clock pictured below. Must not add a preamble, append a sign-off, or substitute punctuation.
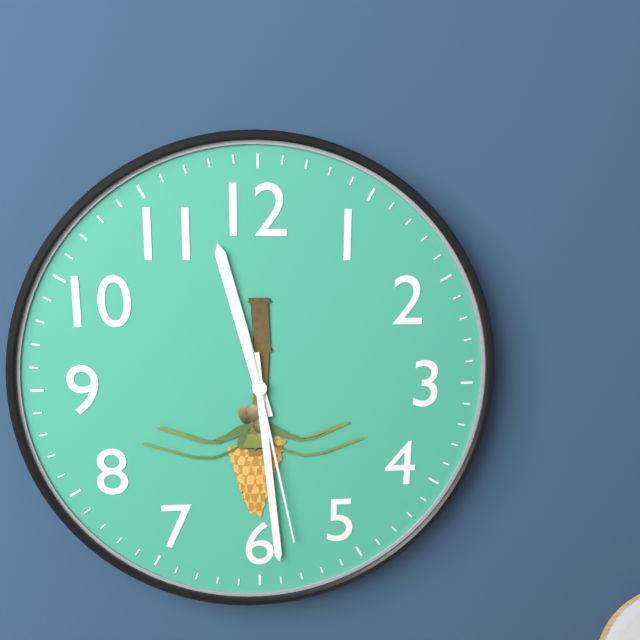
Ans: {"hour": 11, "minute": 29, "second": 28}
